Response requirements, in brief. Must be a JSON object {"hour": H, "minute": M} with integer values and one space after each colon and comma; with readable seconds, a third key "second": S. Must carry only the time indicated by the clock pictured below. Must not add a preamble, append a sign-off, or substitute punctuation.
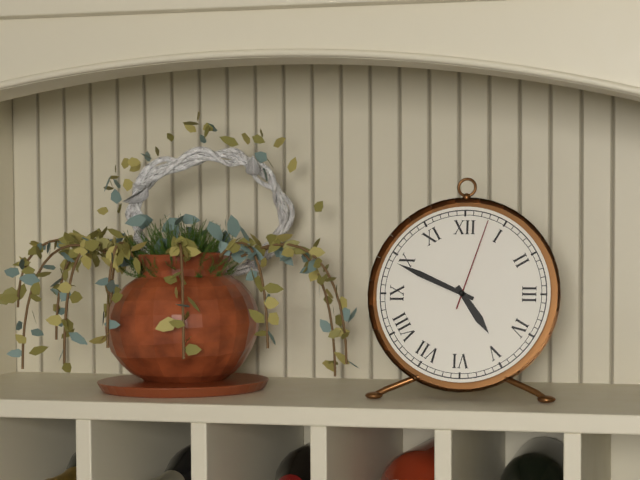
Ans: {"hour": 4, "minute": 49, "second": 3}
